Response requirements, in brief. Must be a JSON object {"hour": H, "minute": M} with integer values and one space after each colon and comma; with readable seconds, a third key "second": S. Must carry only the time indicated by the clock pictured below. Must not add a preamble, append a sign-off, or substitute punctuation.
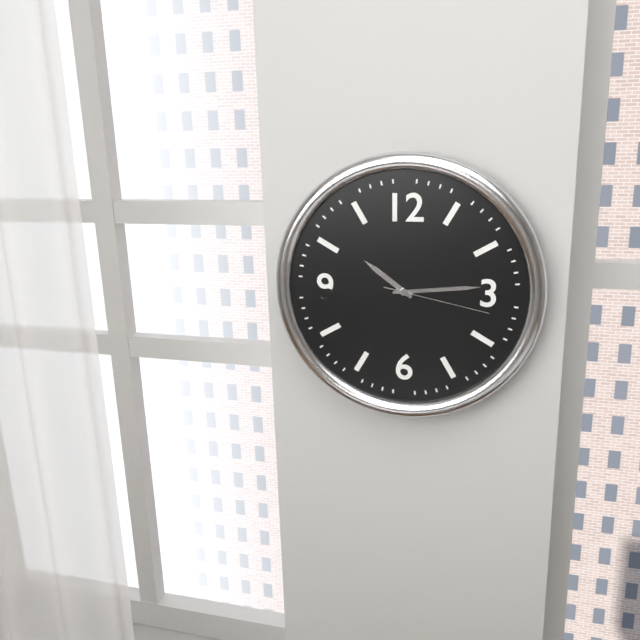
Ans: {"hour": 10, "minute": 14, "second": 17}
